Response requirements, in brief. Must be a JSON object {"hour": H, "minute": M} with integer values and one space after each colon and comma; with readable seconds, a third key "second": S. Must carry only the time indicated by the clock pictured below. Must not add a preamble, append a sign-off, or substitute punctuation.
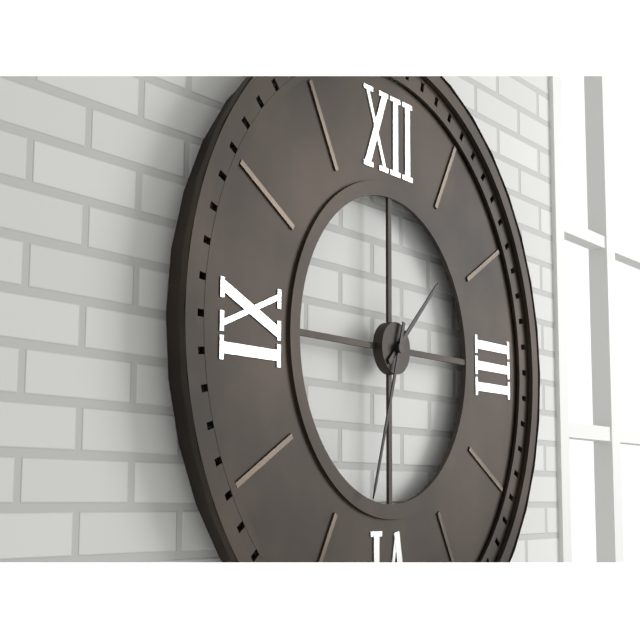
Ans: {"hour": 1, "minute": 33}
